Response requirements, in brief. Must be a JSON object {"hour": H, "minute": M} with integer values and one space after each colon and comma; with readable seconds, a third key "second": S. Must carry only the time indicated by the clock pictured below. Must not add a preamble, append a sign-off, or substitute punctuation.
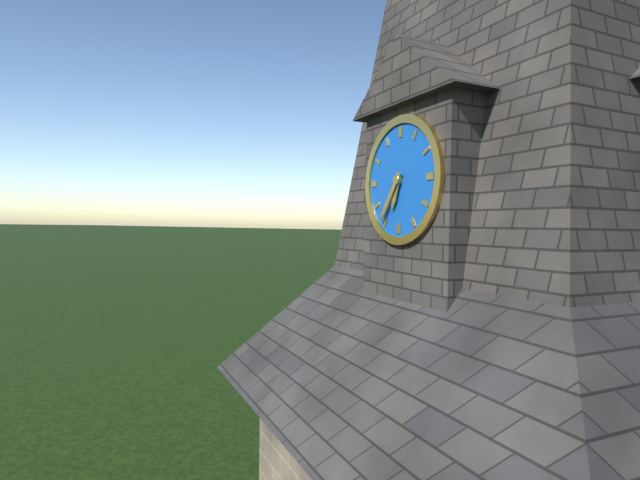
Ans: {"hour": 6, "minute": 36}
